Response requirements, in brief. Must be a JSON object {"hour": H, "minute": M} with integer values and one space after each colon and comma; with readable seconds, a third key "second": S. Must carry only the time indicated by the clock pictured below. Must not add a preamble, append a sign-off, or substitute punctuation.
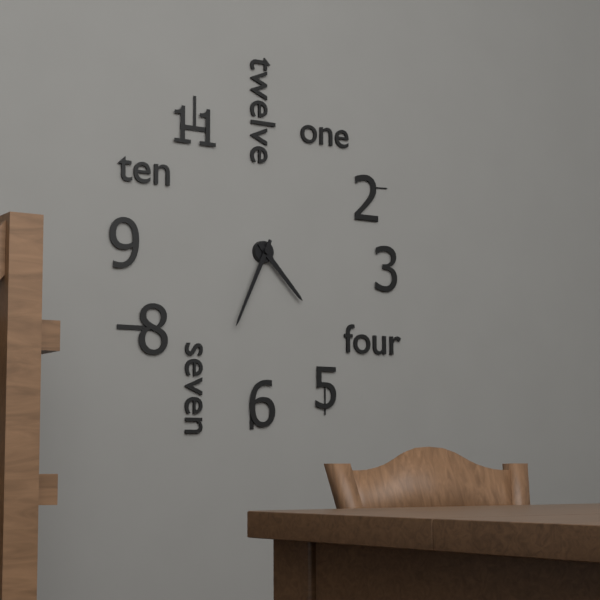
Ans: {"hour": 4, "minute": 34}
